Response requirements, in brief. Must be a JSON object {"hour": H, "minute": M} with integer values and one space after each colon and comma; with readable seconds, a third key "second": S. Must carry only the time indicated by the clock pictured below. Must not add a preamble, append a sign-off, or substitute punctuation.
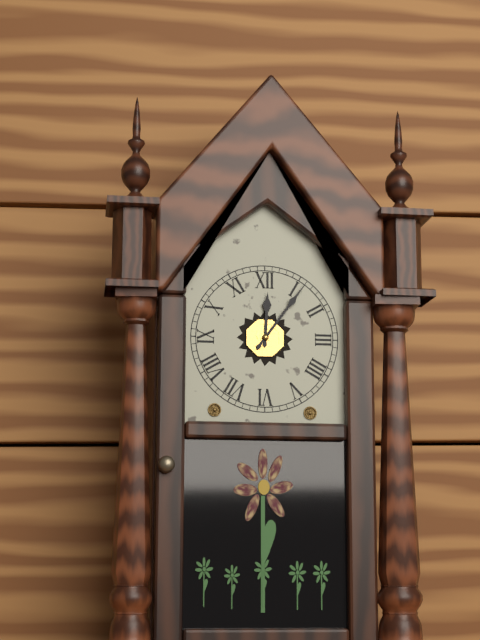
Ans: {"hour": 12, "minute": 6}
